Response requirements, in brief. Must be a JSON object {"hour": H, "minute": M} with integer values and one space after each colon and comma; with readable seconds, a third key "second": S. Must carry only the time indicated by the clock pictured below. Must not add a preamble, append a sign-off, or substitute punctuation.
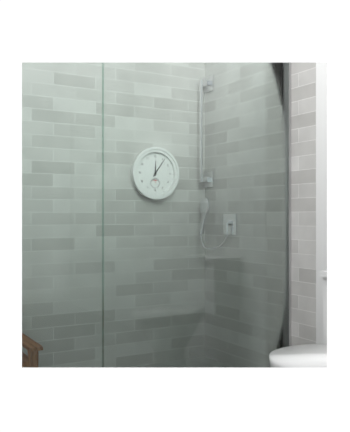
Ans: {"hour": 12, "minute": 6}
